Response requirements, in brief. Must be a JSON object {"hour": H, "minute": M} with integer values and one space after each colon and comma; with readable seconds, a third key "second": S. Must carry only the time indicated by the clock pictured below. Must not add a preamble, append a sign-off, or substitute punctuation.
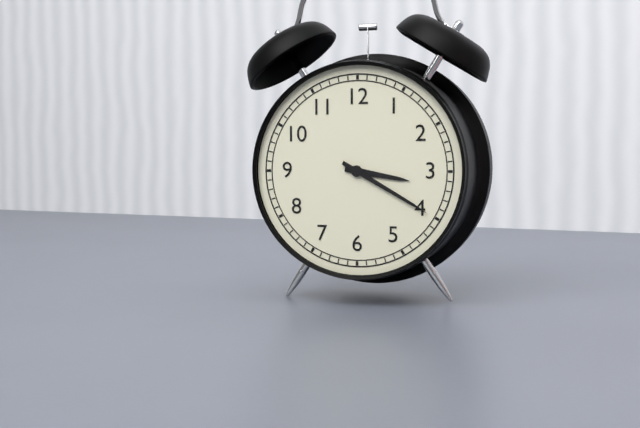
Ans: {"hour": 3, "minute": 20}
